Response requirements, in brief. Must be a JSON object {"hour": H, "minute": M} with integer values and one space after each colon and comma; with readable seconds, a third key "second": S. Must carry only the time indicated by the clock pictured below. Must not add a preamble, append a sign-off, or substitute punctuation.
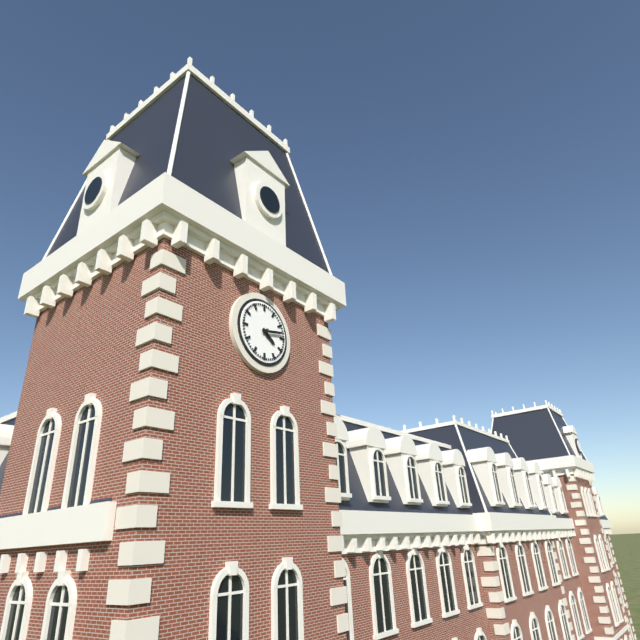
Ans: {"hour": 4, "minute": 13}
